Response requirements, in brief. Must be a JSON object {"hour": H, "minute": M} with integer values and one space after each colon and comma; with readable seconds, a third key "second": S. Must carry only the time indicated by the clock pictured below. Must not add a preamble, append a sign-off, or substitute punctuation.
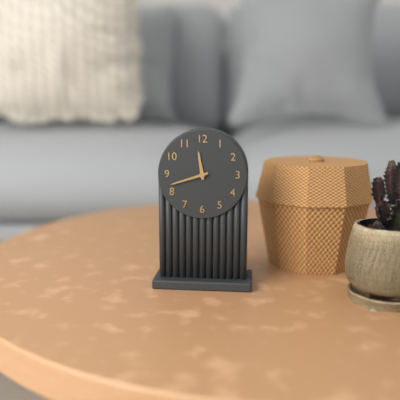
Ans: {"hour": 11, "minute": 42}
